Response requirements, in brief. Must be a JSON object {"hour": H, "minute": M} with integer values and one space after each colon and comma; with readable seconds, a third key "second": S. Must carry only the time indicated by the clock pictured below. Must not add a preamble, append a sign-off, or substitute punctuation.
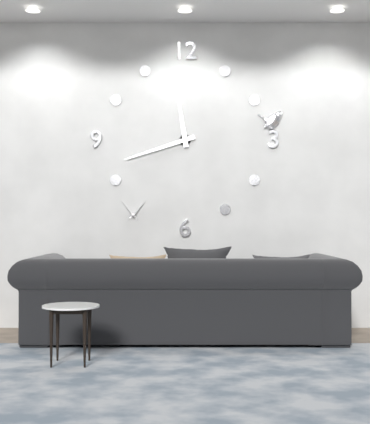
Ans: {"hour": 11, "minute": 42}
